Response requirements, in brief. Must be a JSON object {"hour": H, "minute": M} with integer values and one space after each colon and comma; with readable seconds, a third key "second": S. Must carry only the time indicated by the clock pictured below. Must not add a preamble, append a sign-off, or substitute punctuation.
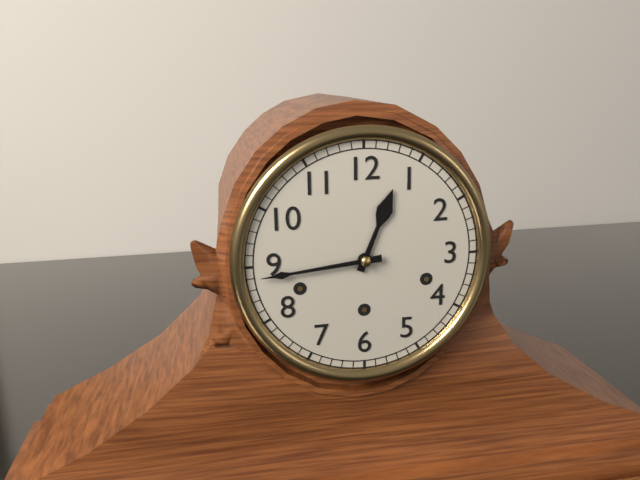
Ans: {"hour": 12, "minute": 44}
